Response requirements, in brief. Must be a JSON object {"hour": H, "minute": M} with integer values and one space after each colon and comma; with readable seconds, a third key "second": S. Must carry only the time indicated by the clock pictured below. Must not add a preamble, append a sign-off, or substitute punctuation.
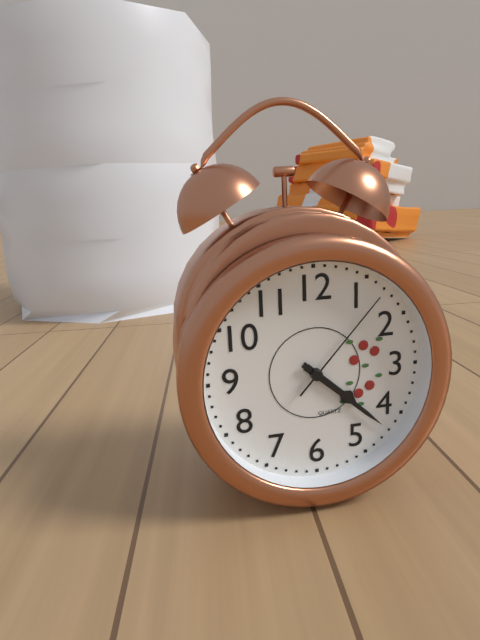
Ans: {"hour": 4, "minute": 22, "second": 7}
